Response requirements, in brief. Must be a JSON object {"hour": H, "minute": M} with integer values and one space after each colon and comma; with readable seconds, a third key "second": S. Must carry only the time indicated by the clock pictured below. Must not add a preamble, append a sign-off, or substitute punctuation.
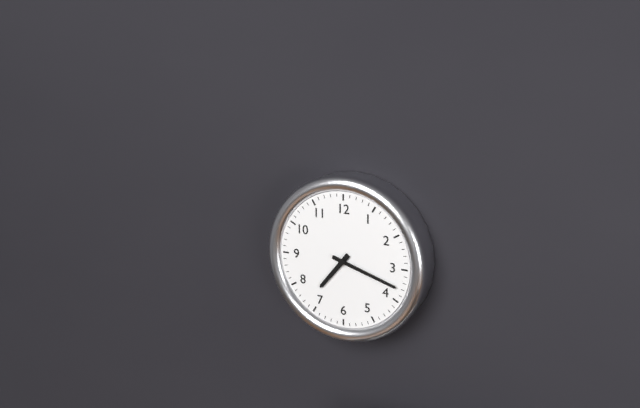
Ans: {"hour": 7, "minute": 18}
